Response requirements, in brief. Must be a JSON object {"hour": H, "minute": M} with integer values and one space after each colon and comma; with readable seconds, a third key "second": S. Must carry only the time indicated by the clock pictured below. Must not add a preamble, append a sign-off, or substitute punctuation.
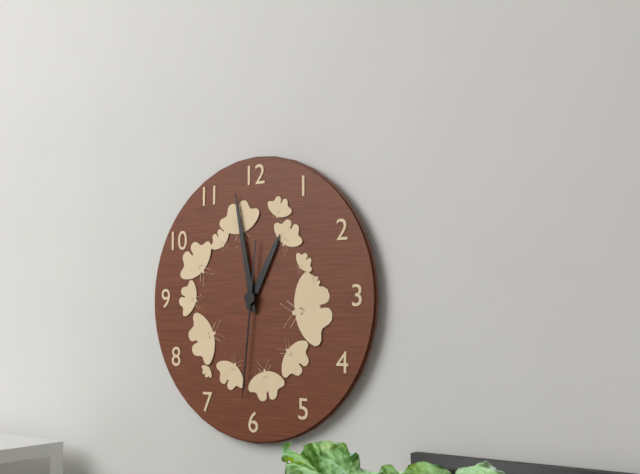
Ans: {"hour": 12, "minute": 58, "second": 31}
